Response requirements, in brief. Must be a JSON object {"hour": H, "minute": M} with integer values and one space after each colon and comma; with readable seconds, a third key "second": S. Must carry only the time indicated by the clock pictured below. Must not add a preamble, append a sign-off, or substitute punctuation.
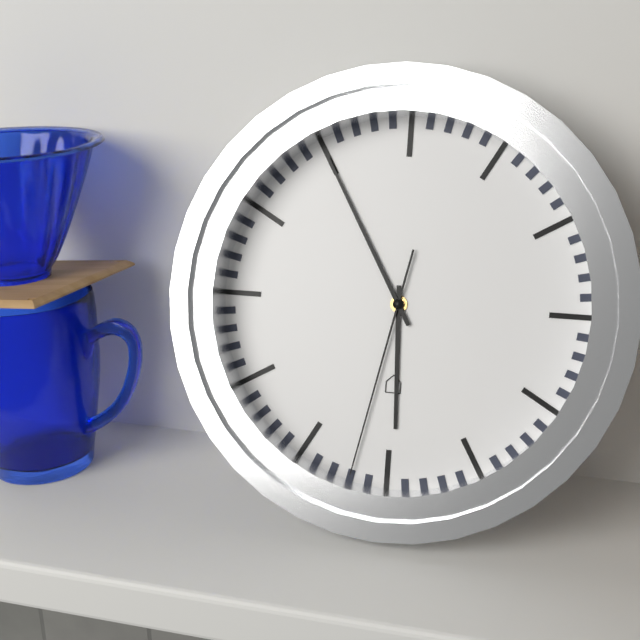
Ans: {"hour": 5, "minute": 55, "second": 32}
